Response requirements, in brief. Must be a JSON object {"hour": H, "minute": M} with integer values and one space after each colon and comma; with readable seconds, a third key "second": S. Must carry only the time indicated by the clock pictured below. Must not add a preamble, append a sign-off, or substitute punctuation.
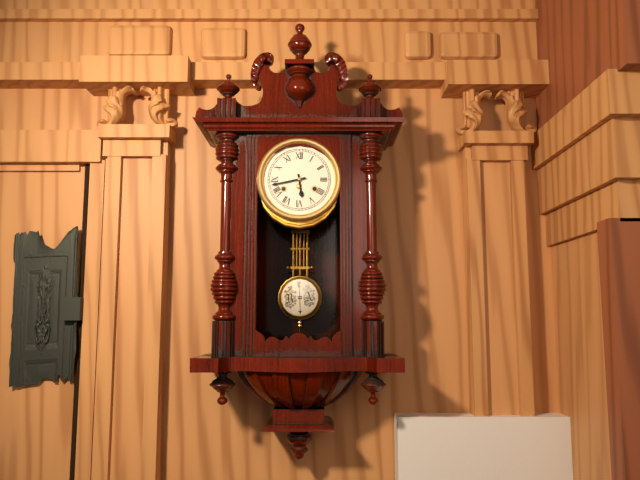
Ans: {"hour": 5, "minute": 43}
